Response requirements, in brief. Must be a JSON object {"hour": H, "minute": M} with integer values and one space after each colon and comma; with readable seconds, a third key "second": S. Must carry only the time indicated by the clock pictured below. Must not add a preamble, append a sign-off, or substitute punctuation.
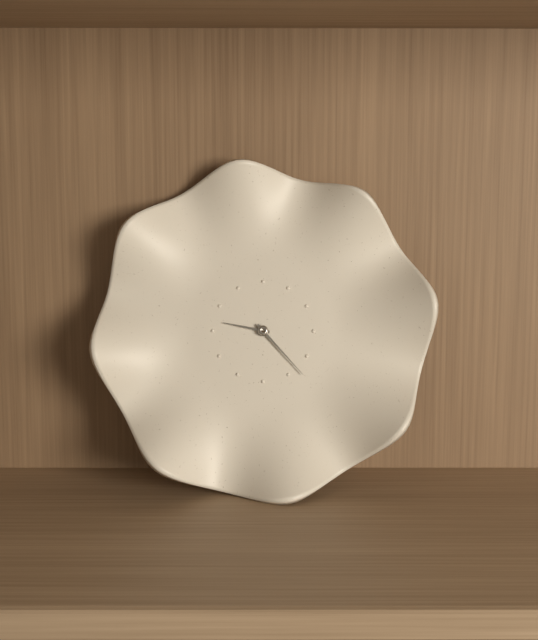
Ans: {"hour": 9, "minute": 23}
